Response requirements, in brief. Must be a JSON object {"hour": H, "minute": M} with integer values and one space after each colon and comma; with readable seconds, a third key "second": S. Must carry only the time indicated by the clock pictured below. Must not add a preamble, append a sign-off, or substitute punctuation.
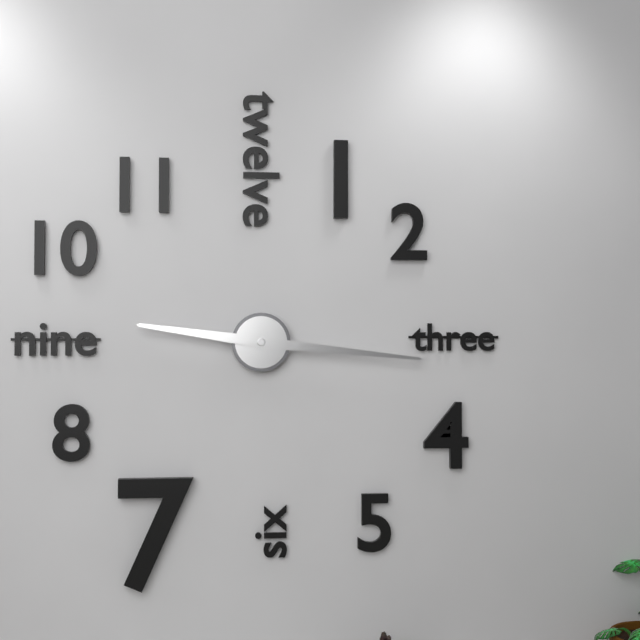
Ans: {"hour": 9, "minute": 16}
